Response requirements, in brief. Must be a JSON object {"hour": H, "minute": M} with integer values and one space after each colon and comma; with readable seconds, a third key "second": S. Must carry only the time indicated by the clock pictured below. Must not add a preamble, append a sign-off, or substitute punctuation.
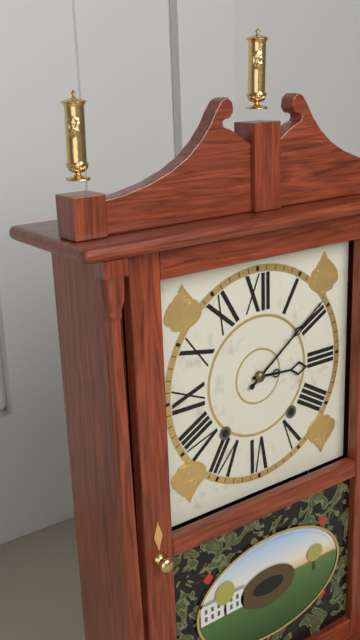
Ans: {"hour": 3, "minute": 9}
